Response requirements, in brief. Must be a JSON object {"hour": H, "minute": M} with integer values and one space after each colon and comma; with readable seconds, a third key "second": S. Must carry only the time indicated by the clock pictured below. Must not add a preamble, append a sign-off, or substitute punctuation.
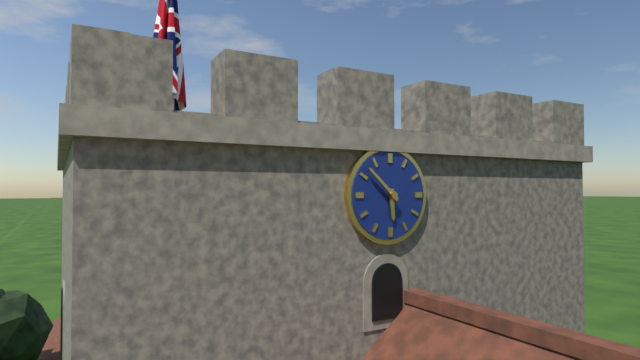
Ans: {"hour": 5, "minute": 52}
